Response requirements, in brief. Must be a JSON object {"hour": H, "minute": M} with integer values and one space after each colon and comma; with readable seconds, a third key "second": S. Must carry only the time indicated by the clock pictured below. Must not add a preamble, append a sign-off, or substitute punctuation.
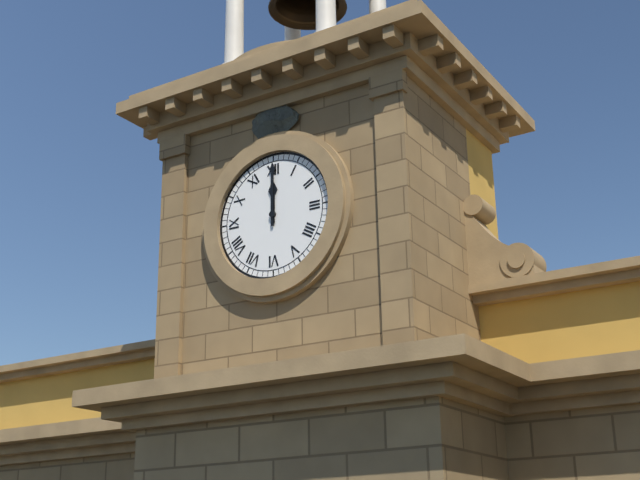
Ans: {"hour": 12, "minute": 0}
